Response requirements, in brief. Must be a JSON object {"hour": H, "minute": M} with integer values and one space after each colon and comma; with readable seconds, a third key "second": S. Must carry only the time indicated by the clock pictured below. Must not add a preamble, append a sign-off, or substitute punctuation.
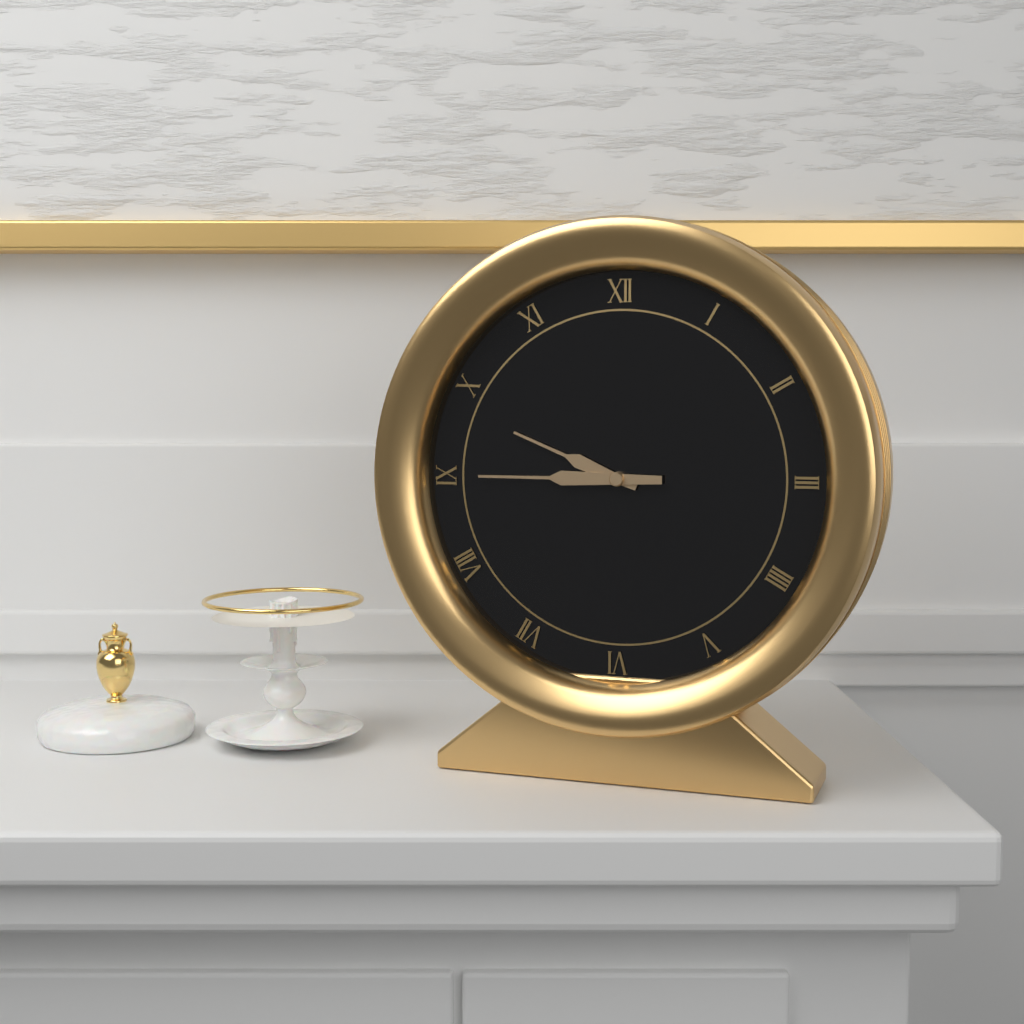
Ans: {"hour": 9, "minute": 45}
